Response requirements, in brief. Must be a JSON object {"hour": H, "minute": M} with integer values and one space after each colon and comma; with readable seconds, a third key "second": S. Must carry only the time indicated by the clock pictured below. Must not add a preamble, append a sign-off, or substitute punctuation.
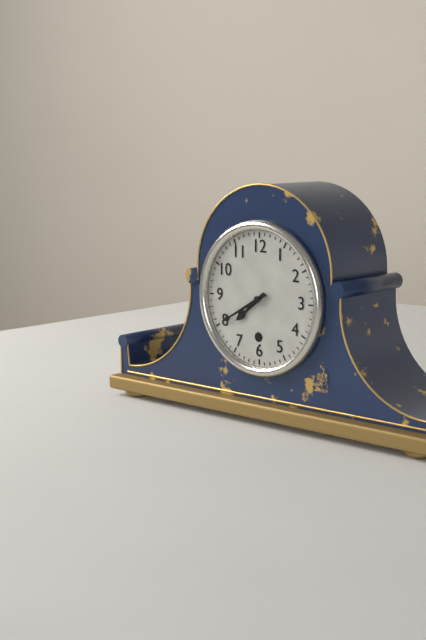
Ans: {"hour": 7, "minute": 40}
